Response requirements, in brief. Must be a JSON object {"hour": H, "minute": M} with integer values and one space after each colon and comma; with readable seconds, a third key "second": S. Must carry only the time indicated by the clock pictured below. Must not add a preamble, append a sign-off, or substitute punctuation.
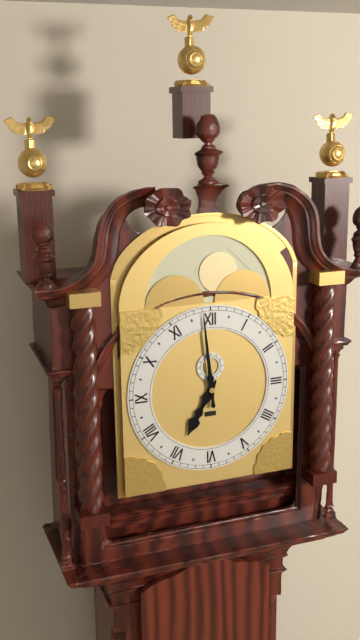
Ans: {"hour": 6, "minute": 59}
